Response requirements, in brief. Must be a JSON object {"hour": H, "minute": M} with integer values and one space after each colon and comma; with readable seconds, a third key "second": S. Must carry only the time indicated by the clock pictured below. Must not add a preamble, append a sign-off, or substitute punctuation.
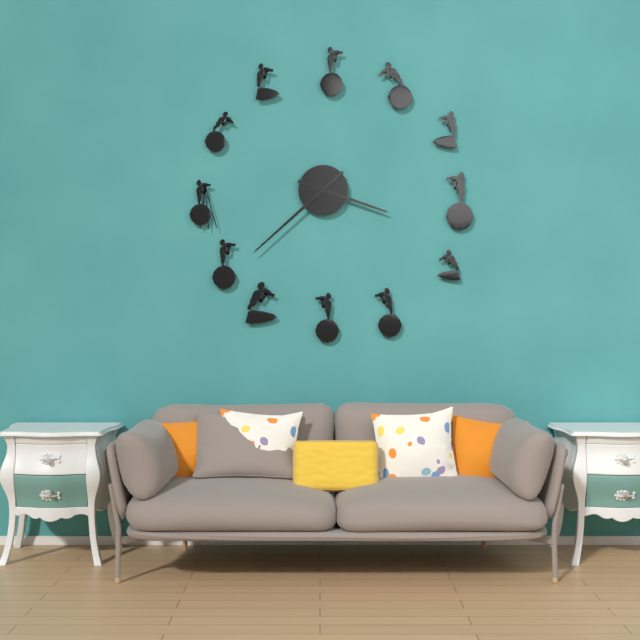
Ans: {"hour": 3, "minute": 38}
